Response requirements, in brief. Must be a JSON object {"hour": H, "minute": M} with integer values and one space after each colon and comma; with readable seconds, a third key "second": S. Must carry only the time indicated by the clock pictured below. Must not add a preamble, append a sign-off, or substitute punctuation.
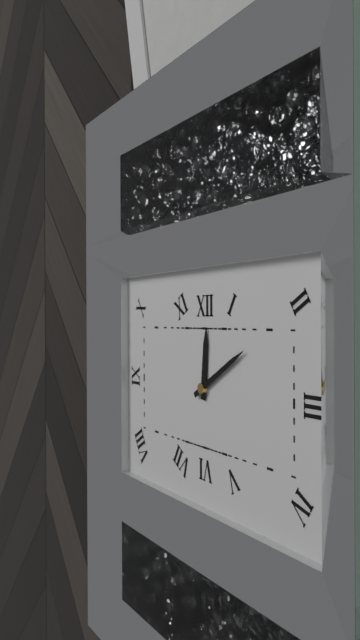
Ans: {"hour": 12, "minute": 10}
